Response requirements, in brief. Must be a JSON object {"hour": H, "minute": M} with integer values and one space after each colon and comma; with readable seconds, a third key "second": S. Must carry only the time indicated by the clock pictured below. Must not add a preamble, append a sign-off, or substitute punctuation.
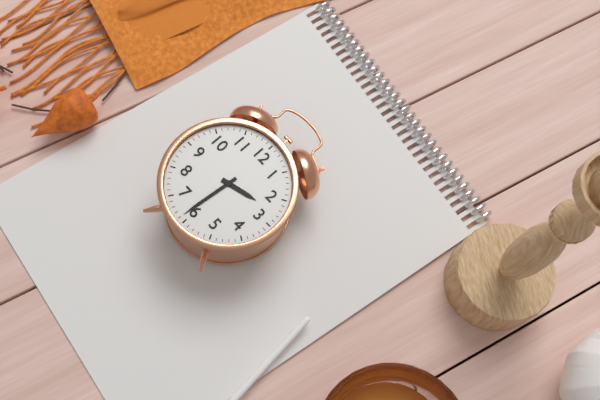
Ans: {"hour": 2, "minute": 31}
